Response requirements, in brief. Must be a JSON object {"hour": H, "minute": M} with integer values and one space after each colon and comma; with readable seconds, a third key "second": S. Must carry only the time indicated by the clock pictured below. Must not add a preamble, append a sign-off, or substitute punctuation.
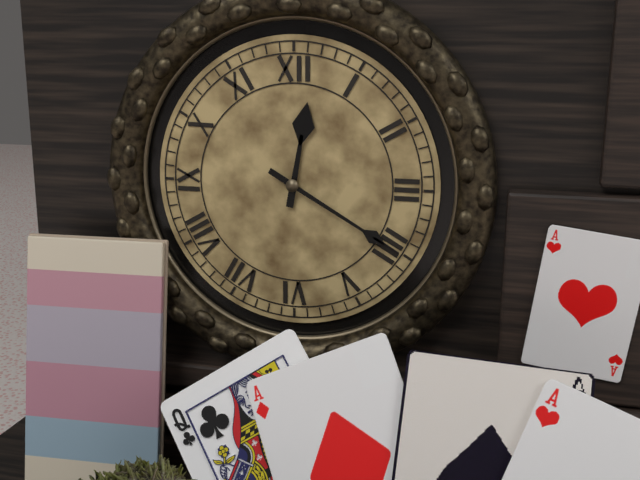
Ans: {"hour": 12, "minute": 20}
